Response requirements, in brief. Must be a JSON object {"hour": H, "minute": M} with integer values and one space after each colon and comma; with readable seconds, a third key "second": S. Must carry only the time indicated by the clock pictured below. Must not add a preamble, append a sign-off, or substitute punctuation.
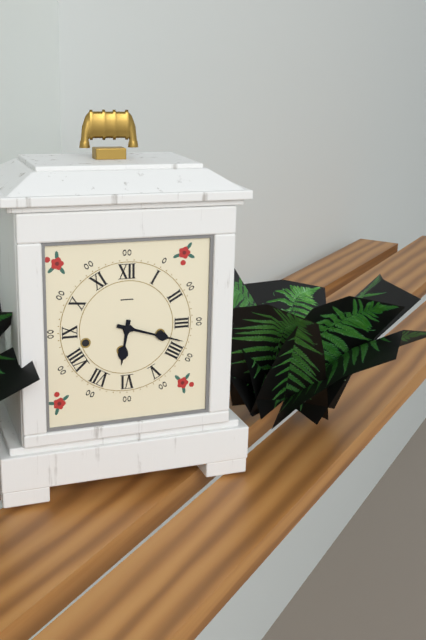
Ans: {"hour": 6, "minute": 18}
